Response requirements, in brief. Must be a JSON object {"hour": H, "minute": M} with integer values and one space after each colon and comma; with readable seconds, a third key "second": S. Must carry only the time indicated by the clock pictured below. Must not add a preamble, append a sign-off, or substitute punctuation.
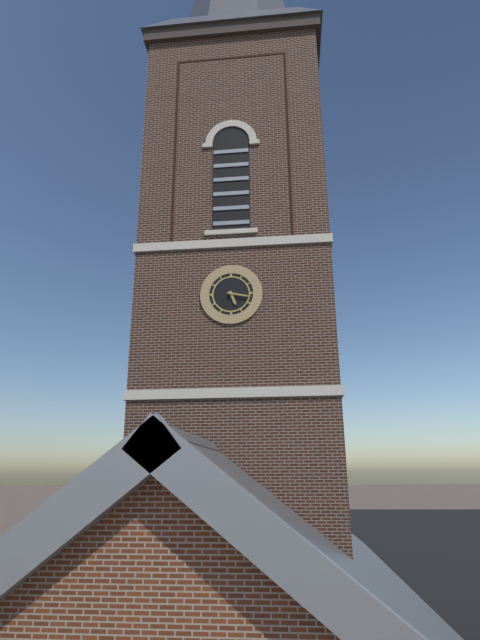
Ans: {"hour": 5, "minute": 17}
